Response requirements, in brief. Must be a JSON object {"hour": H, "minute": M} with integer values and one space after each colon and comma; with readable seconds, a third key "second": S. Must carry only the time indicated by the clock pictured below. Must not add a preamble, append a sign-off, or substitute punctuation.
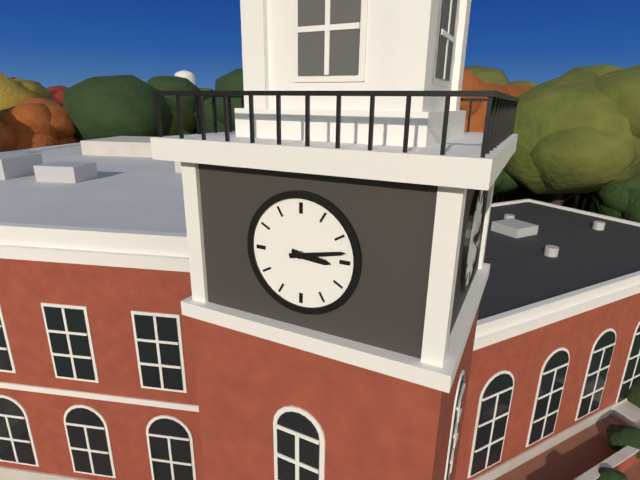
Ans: {"hour": 3, "minute": 13}
